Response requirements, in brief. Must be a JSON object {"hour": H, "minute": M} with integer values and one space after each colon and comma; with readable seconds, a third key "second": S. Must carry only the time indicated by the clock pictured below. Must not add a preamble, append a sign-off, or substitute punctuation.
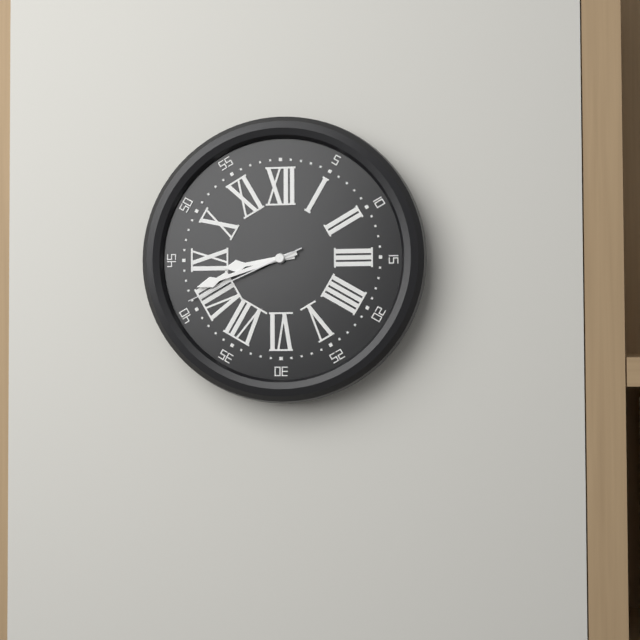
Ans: {"hour": 8, "minute": 42, "second": 41}
